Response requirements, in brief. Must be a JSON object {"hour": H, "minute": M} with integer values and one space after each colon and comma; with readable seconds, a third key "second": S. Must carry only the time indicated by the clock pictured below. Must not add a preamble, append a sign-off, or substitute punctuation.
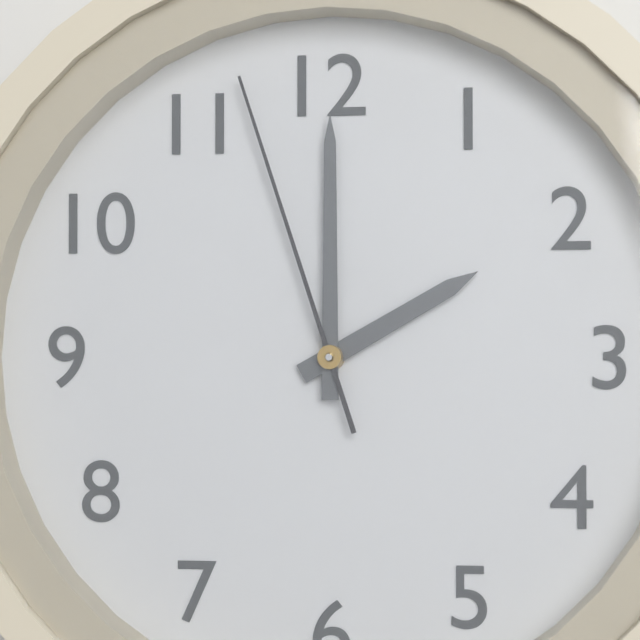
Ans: {"hour": 2, "minute": 0, "second": 57}
